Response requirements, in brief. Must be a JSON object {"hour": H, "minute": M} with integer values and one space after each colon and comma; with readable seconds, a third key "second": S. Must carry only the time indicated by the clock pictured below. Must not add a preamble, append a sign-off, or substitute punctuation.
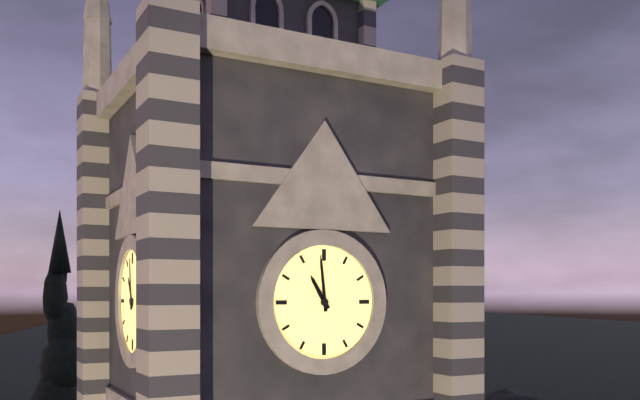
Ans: {"hour": 10, "minute": 59}
